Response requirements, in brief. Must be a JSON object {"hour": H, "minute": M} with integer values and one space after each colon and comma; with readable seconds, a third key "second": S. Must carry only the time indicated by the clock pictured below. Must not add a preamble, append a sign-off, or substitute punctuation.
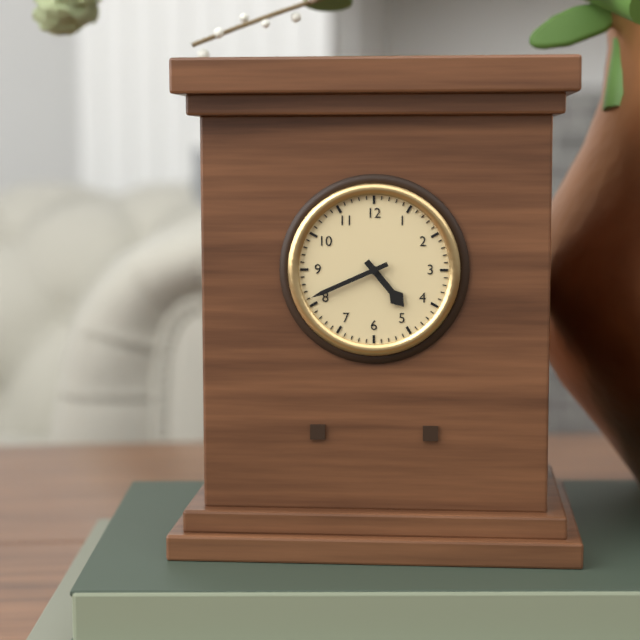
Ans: {"hour": 4, "minute": 41}
